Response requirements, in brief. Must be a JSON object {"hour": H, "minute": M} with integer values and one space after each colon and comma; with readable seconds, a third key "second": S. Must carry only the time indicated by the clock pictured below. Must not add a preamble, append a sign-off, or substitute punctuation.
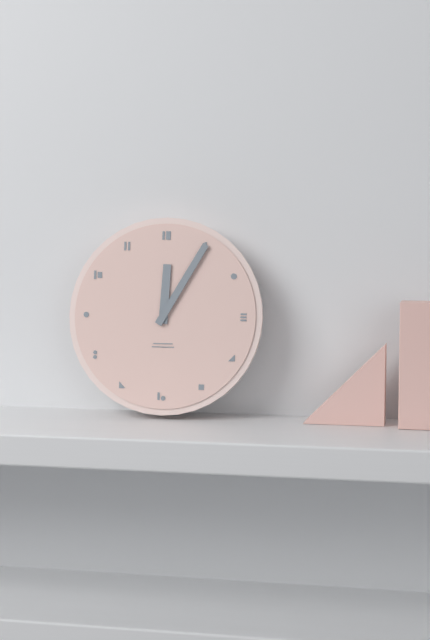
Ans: {"hour": 12, "minute": 5}
